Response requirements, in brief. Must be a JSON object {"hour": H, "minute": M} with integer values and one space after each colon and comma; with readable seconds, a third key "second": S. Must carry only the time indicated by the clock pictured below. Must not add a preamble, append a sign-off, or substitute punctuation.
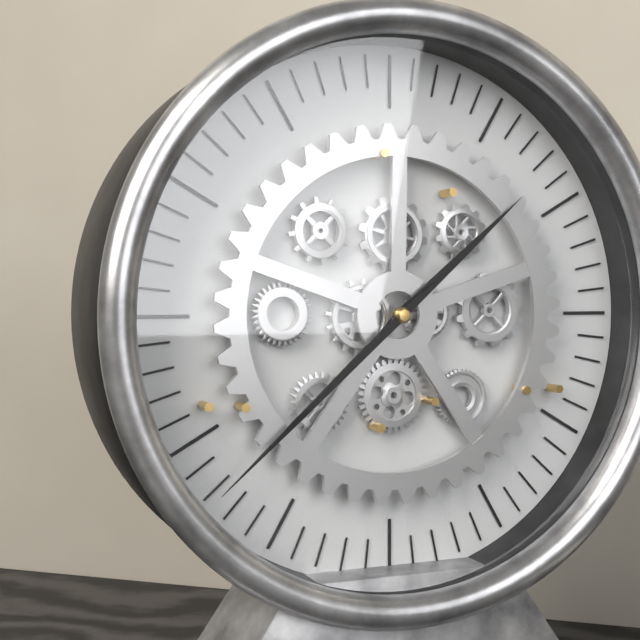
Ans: {"hour": 1, "minute": 38}
